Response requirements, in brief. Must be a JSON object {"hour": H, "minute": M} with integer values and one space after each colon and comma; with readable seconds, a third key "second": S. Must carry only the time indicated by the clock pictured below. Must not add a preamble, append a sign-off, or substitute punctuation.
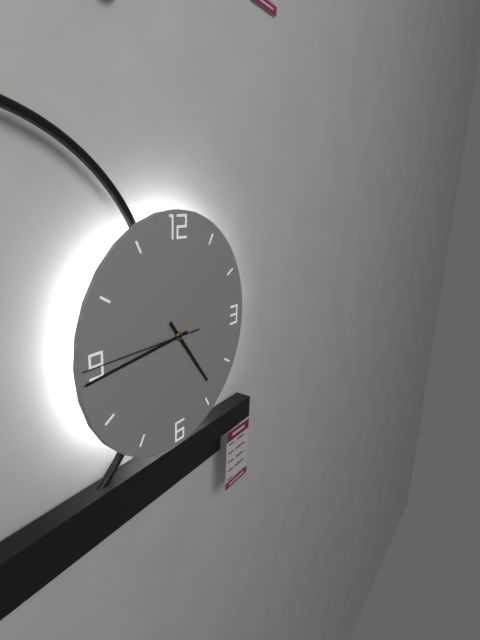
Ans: {"hour": 4, "minute": 44, "second": 45}
